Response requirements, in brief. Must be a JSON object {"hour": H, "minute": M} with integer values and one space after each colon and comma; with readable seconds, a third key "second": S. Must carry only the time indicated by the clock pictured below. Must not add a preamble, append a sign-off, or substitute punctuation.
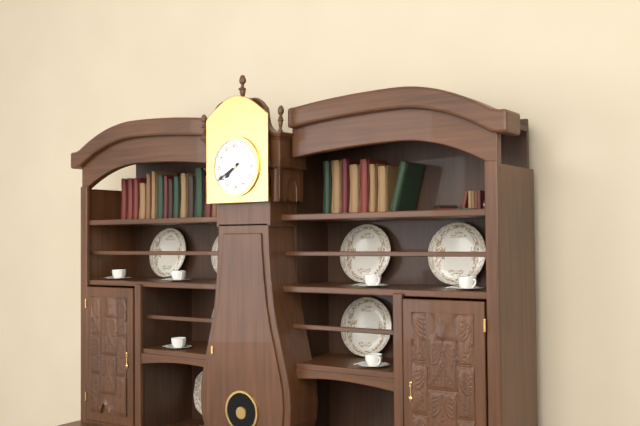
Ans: {"hour": 7, "minute": 40}
